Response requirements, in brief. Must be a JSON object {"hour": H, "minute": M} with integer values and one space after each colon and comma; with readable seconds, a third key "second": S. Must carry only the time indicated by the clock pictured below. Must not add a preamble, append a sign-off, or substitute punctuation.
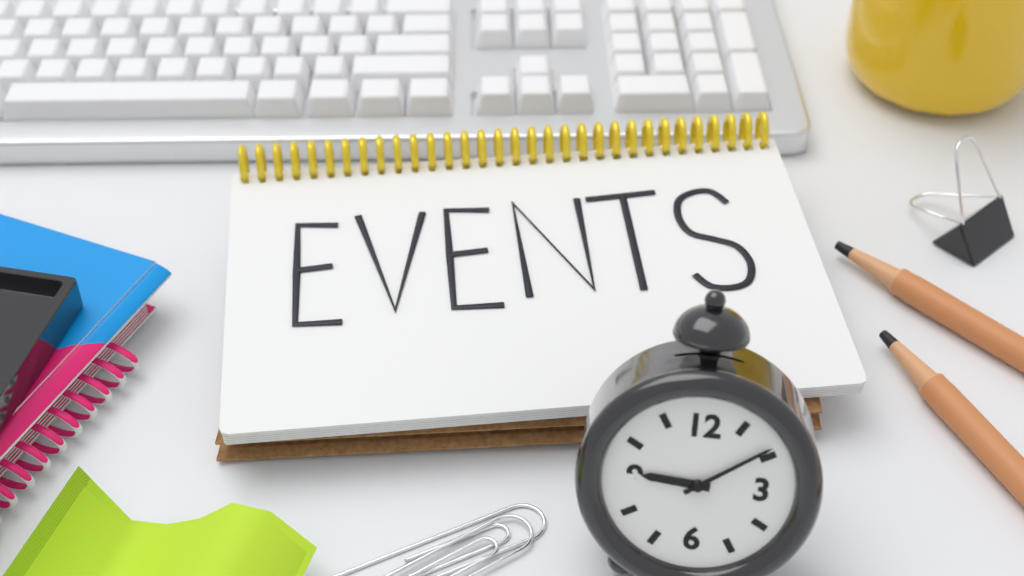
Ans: {"hour": 9, "minute": 9}
